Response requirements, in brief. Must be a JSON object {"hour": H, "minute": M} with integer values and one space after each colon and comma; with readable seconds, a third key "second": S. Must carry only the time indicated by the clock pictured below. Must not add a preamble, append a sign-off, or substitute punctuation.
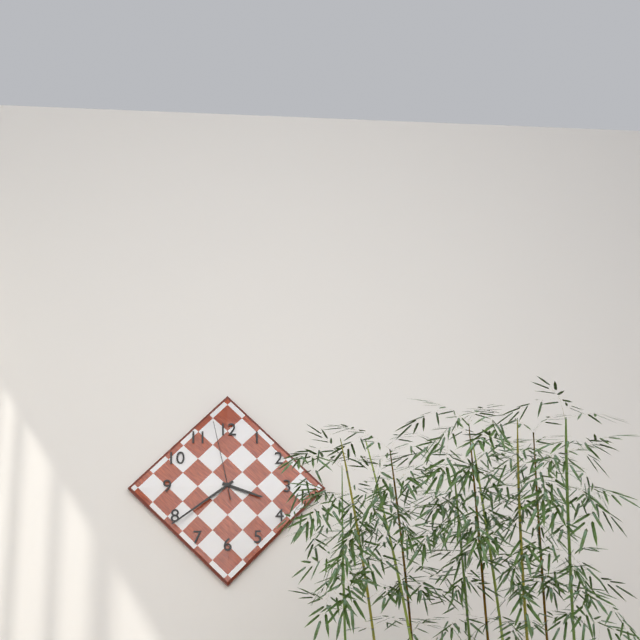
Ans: {"hour": 3, "minute": 39, "second": 58}
